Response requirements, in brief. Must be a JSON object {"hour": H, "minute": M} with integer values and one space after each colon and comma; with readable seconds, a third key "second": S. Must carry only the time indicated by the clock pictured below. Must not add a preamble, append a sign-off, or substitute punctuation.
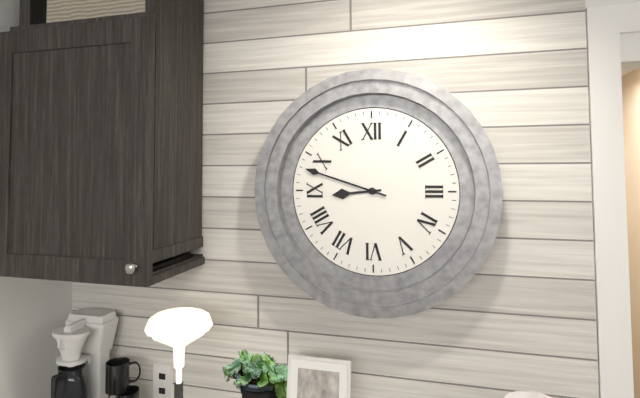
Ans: {"hour": 8, "minute": 48}
